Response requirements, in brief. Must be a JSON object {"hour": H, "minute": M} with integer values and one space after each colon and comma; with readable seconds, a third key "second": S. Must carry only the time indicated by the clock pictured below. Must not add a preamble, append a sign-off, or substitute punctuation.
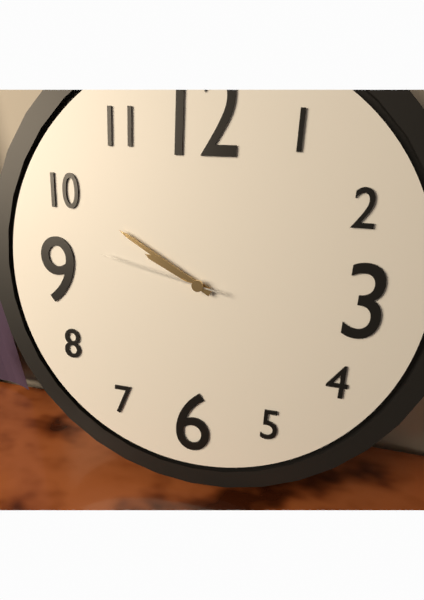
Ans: {"hour": 9, "minute": 50, "second": 47}
